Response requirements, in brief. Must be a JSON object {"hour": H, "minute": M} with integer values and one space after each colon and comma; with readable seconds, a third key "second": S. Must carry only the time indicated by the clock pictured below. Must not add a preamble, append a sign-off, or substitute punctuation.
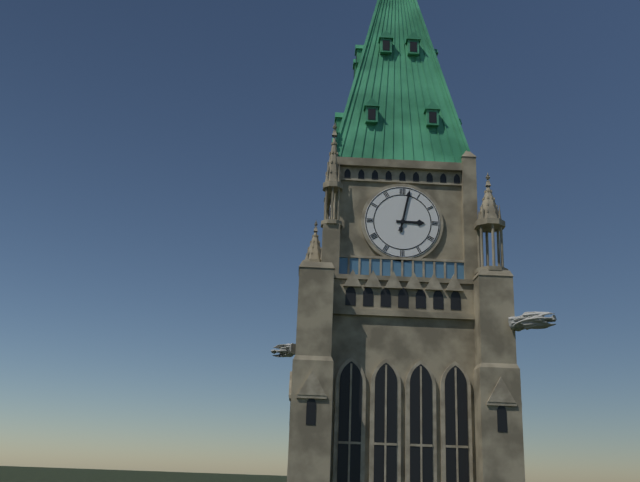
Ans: {"hour": 3, "minute": 2}
